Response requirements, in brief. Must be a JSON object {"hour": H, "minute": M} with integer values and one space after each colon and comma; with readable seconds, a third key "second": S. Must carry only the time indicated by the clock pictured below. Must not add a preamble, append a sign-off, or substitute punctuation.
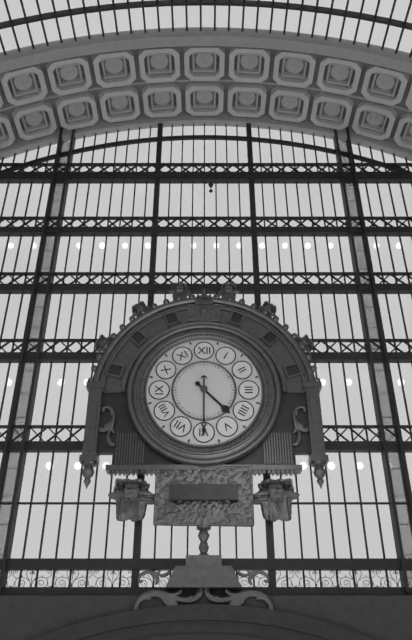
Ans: {"hour": 4, "minute": 30}
